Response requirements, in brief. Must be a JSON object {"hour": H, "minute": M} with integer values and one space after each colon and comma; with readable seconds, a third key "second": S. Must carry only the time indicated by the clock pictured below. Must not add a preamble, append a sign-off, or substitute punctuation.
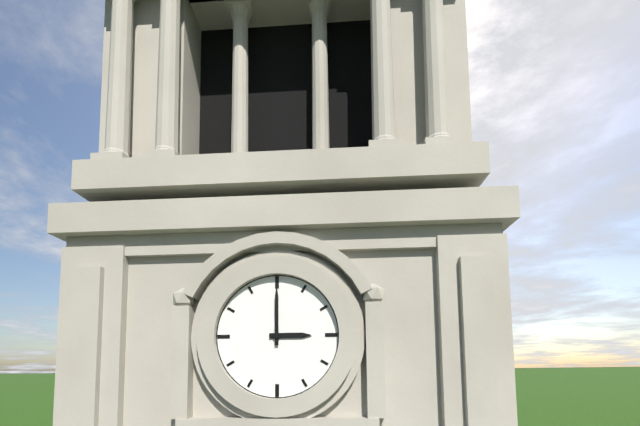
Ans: {"hour": 3, "minute": 0}
